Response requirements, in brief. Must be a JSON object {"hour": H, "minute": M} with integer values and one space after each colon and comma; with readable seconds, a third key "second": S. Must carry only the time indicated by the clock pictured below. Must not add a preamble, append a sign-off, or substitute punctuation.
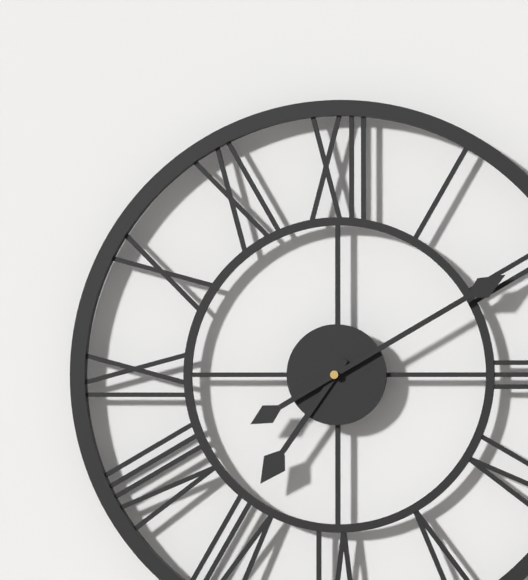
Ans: {"hour": 7, "minute": 10}
